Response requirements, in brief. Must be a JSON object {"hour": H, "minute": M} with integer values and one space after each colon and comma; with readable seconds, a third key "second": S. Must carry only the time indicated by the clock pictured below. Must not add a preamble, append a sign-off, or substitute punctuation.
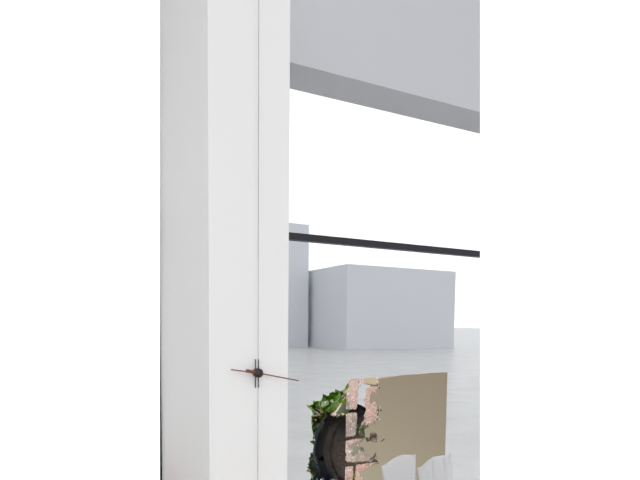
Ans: {"hour": 9, "minute": 17}
